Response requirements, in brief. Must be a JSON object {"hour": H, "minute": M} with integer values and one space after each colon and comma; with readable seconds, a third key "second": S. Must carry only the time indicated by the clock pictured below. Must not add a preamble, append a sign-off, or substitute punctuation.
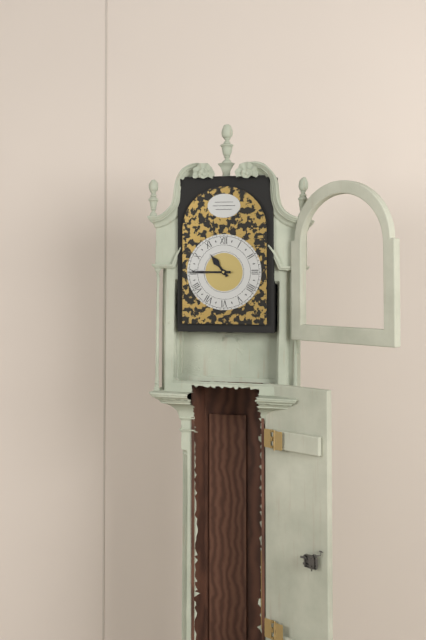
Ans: {"hour": 10, "minute": 45}
